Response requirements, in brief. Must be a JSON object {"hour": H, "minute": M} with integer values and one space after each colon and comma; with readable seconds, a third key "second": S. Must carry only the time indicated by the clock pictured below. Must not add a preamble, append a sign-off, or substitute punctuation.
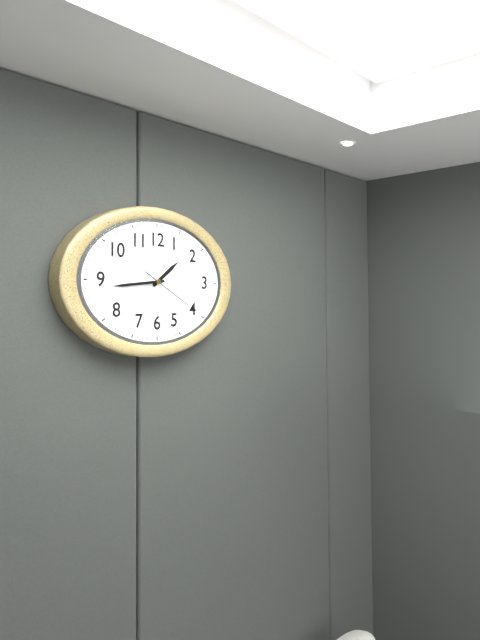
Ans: {"hour": 1, "minute": 44}
